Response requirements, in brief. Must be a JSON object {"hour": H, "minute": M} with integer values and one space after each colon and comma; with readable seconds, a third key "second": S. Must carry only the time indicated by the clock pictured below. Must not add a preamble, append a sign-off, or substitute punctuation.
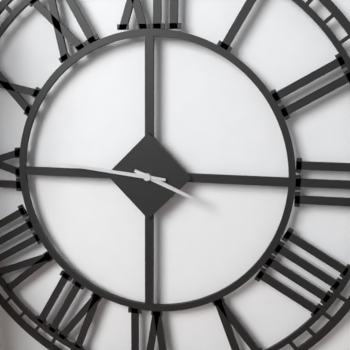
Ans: {"hour": 3, "minute": 46}
